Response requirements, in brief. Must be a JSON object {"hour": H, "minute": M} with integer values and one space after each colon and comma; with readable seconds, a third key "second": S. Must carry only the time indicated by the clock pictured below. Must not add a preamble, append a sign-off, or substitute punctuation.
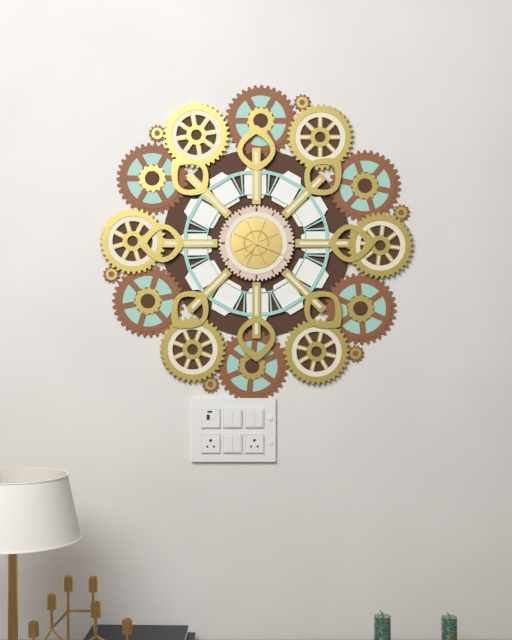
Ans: {"hour": 7, "minute": 19}
